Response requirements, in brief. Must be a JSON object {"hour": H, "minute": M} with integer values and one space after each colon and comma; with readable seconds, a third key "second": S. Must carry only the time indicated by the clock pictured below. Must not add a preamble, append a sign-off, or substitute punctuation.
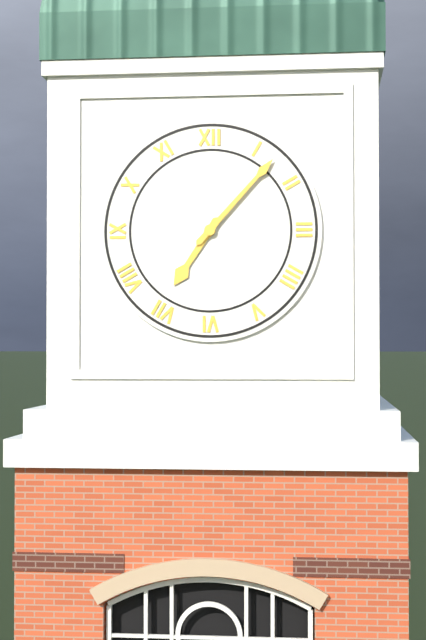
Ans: {"hour": 7, "minute": 7}
